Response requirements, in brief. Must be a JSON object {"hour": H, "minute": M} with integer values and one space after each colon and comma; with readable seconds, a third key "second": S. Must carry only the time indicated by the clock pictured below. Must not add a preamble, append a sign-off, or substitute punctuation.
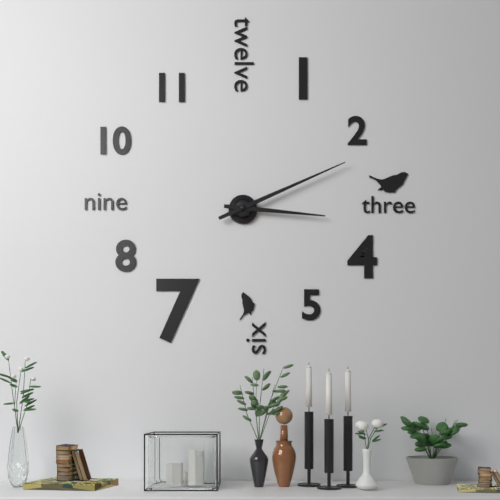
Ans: {"hour": 3, "minute": 11}
